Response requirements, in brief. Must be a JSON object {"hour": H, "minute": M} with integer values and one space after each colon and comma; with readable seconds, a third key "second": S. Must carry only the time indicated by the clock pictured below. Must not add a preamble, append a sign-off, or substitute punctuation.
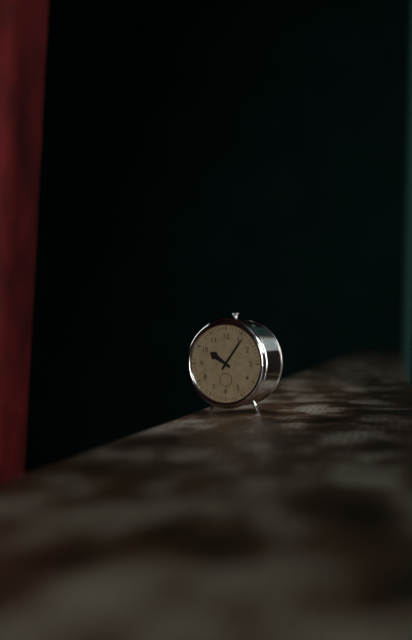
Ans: {"hour": 10, "minute": 6}
